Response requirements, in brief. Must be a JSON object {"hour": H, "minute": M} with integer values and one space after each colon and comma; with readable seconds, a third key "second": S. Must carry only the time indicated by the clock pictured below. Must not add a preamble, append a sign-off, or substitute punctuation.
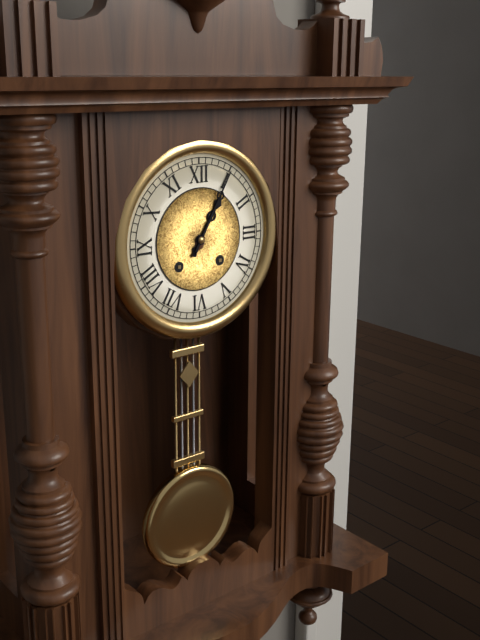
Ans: {"hour": 1, "minute": 5}
